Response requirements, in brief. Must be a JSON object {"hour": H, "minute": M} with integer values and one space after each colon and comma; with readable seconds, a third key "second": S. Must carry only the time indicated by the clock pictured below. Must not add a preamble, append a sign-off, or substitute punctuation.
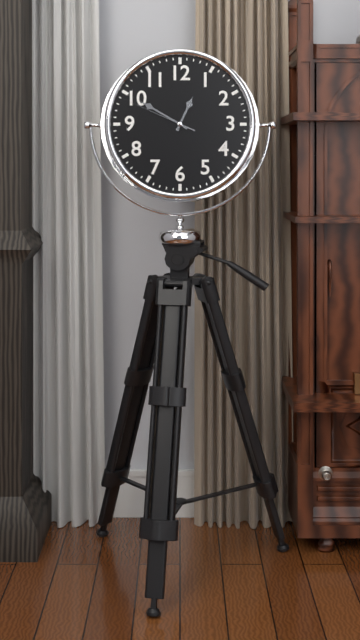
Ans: {"hour": 12, "minute": 50, "second": 49}
